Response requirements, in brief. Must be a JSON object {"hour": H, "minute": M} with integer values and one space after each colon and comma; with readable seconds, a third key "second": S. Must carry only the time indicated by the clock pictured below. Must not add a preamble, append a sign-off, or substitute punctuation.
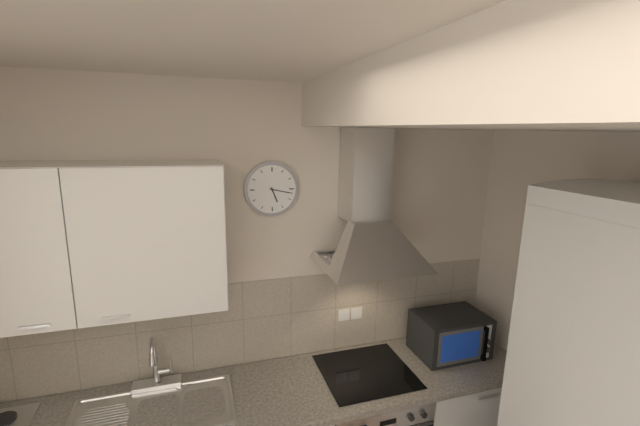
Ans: {"hour": 5, "minute": 17}
